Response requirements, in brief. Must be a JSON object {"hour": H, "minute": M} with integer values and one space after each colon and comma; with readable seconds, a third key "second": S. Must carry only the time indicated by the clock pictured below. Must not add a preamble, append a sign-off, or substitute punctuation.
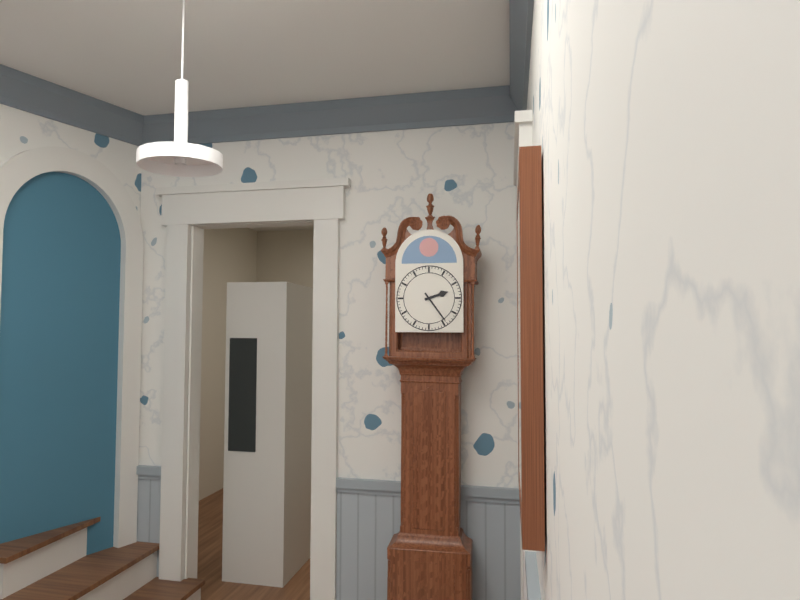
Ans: {"hour": 2, "minute": 24}
